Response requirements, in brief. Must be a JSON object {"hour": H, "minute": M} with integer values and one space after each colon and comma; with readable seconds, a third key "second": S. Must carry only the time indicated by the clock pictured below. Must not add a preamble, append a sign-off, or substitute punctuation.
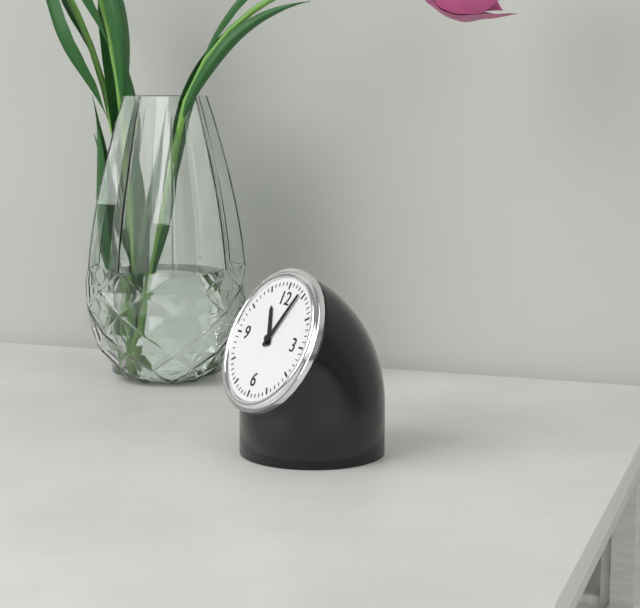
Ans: {"hour": 11, "minute": 4}
